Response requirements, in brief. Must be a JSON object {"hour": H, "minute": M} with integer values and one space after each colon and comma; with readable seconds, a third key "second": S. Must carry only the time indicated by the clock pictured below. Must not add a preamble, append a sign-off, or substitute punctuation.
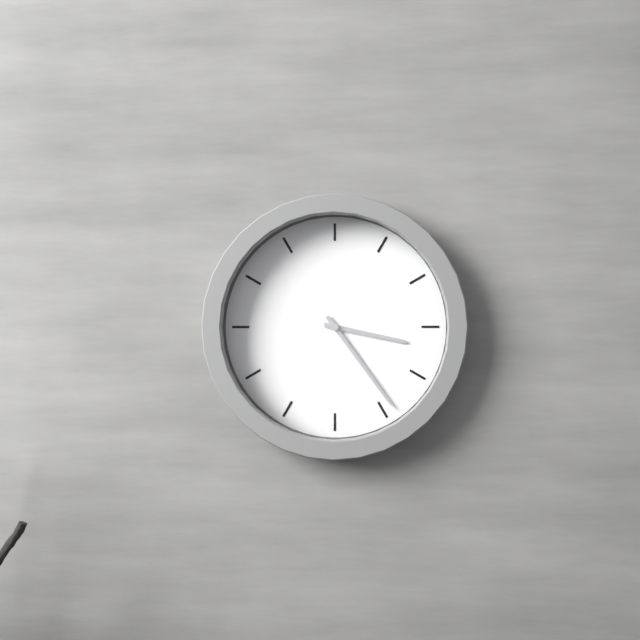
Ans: {"hour": 3, "minute": 24}
